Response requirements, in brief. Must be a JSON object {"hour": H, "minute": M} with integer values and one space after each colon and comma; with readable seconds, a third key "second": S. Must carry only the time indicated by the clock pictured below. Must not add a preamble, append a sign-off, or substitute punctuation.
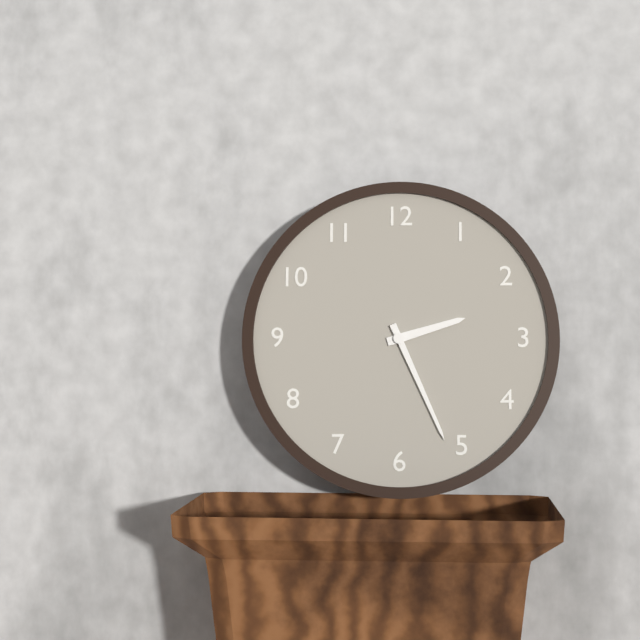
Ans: {"hour": 2, "minute": 26}
